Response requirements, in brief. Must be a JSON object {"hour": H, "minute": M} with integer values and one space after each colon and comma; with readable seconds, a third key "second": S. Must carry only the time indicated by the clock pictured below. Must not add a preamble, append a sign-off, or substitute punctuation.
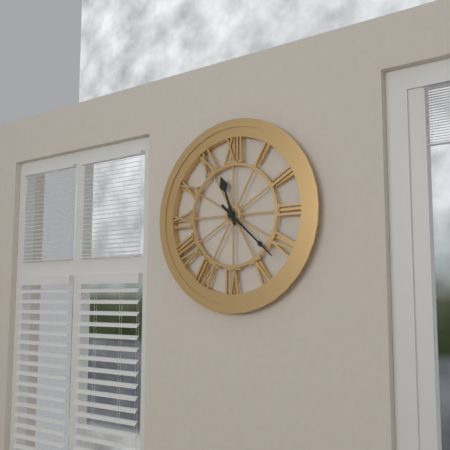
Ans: {"hour": 11, "minute": 22}
